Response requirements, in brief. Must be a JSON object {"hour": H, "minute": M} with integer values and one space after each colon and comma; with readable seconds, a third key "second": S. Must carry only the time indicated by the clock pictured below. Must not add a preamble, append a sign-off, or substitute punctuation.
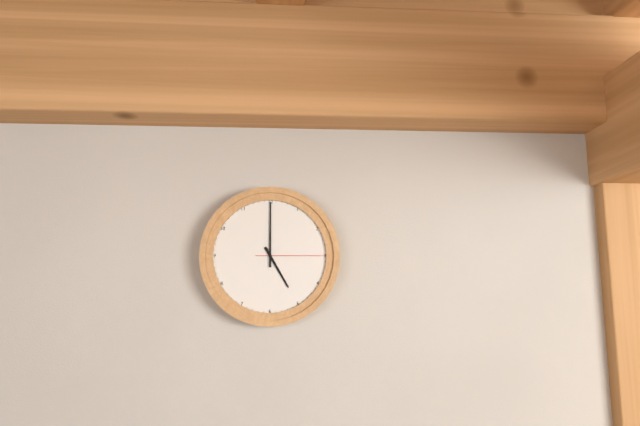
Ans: {"hour": 5, "minute": 0, "second": 15}
